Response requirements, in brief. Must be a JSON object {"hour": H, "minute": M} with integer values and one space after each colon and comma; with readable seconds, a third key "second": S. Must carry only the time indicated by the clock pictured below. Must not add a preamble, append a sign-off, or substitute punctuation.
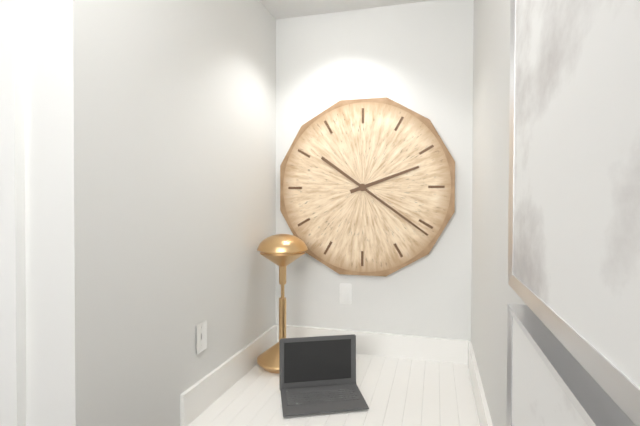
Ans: {"hour": 2, "minute": 21}
